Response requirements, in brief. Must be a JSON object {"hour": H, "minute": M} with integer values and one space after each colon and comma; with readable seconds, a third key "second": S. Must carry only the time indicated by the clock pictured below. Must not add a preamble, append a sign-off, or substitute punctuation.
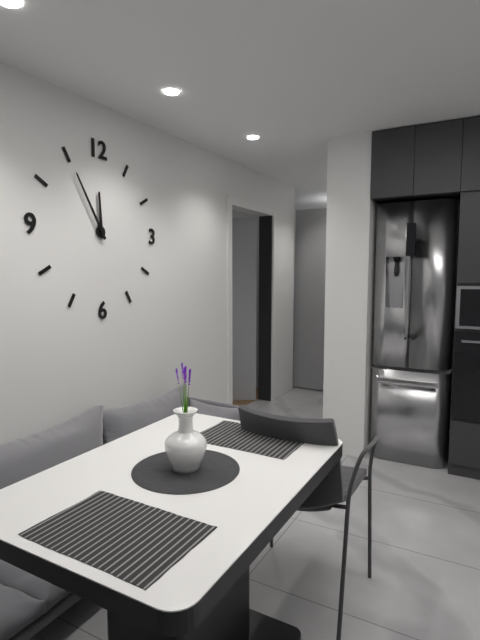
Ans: {"hour": 11, "minute": 55}
